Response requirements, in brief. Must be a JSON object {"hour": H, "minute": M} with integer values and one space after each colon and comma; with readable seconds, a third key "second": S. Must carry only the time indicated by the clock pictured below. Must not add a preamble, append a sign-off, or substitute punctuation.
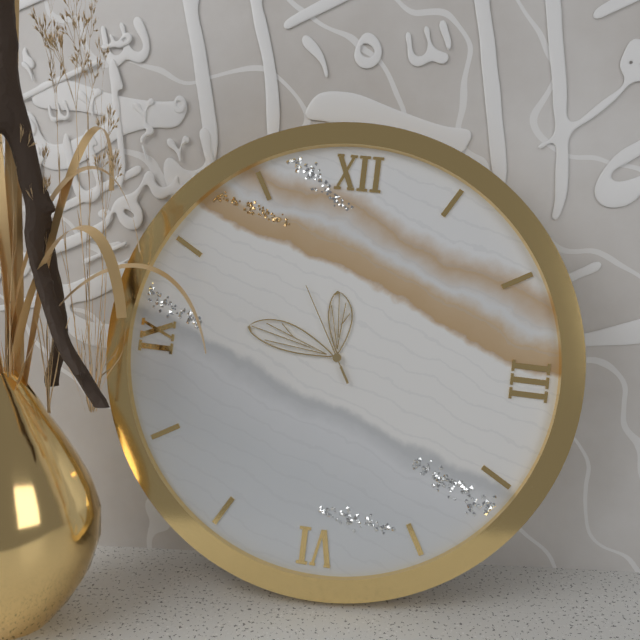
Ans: {"hour": 11, "minute": 47, "second": 55}
